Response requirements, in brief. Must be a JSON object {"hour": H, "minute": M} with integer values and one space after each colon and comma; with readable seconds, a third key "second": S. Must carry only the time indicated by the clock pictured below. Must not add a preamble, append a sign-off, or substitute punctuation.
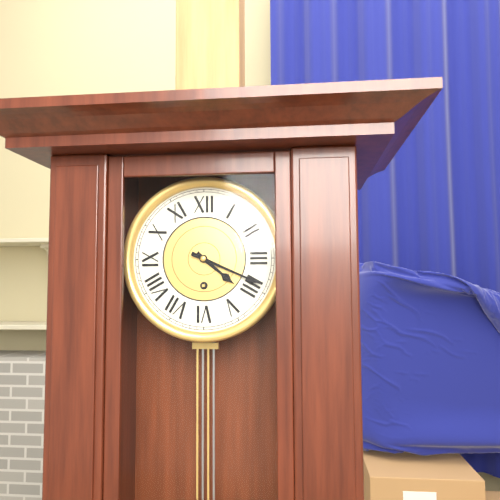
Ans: {"hour": 4, "minute": 19}
